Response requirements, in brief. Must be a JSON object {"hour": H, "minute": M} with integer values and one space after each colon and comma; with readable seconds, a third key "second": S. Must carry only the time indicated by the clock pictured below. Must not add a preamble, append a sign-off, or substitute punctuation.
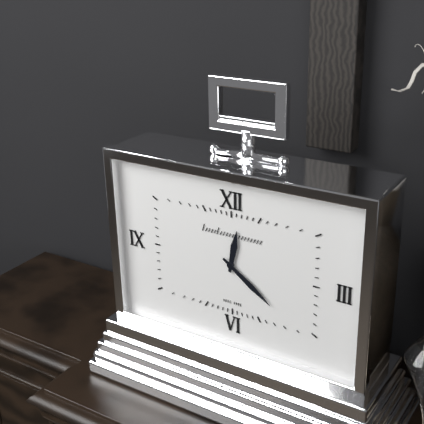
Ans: {"hour": 12, "minute": 21}
